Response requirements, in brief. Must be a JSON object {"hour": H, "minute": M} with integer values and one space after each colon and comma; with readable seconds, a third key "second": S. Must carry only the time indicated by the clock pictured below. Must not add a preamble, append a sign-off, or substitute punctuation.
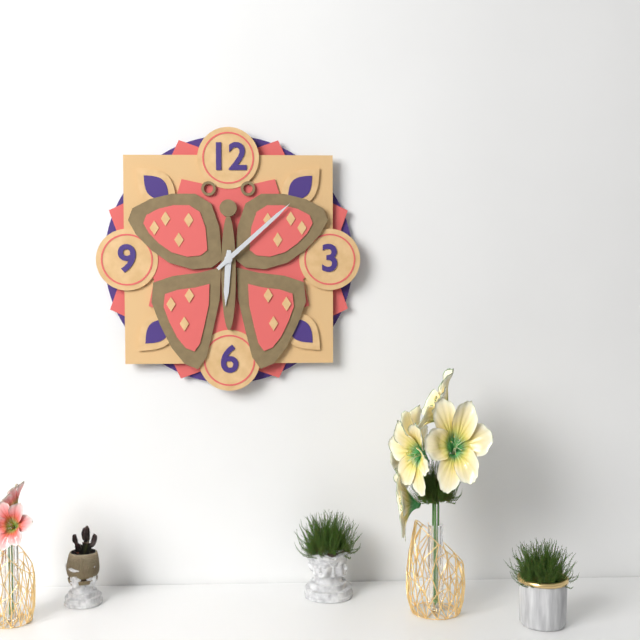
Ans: {"hour": 6, "minute": 8}
